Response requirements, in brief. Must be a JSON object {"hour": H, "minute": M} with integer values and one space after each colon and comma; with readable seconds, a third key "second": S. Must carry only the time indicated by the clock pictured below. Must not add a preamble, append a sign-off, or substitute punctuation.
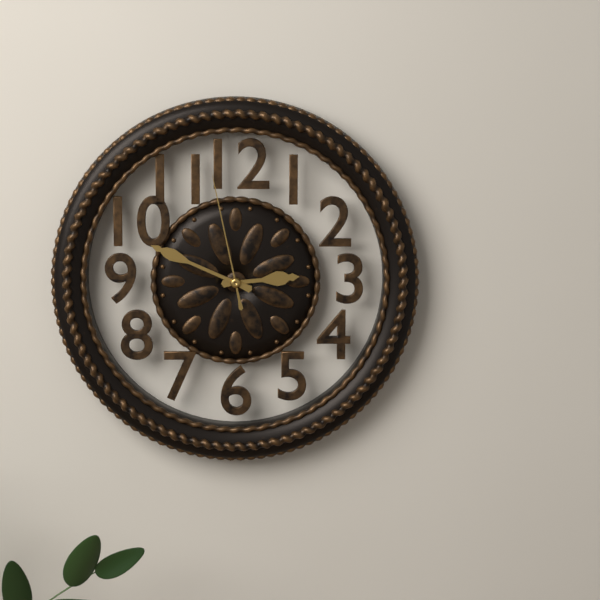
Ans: {"hour": 2, "minute": 49, "second": 58}
